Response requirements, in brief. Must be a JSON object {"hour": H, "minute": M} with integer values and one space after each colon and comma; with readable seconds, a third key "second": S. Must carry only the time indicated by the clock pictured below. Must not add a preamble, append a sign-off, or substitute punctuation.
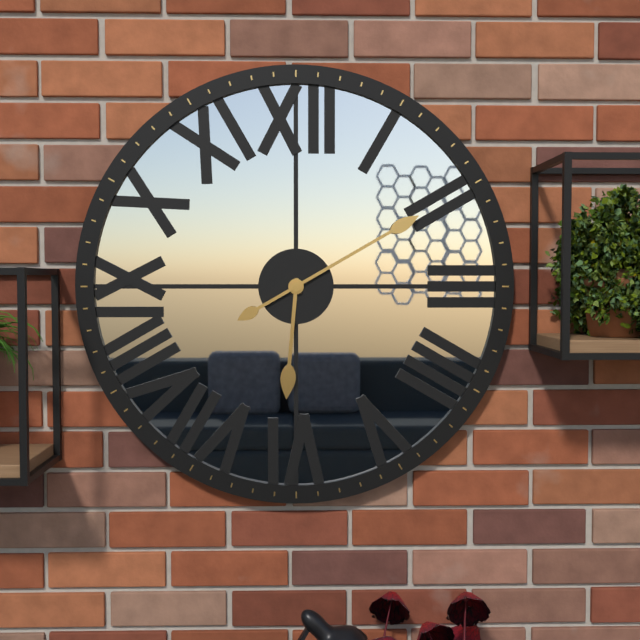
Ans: {"hour": 6, "minute": 10}
